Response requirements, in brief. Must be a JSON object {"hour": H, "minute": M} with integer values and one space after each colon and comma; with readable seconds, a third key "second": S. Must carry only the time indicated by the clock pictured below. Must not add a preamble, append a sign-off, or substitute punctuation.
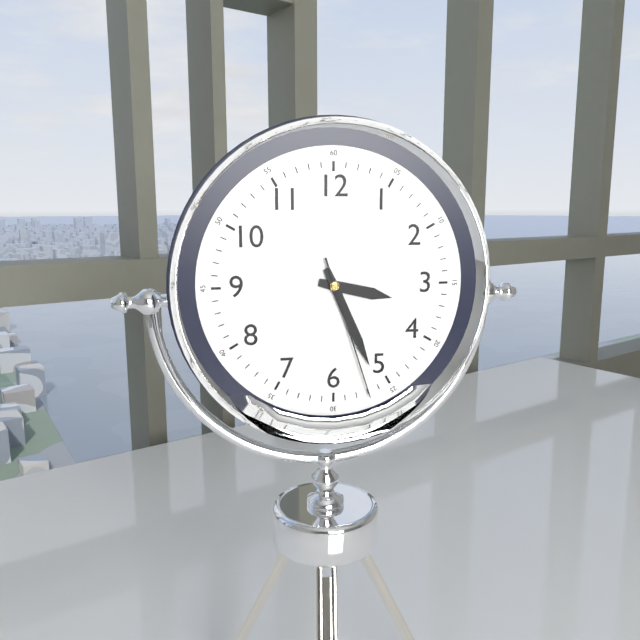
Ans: {"hour": 3, "minute": 26, "second": 27}
